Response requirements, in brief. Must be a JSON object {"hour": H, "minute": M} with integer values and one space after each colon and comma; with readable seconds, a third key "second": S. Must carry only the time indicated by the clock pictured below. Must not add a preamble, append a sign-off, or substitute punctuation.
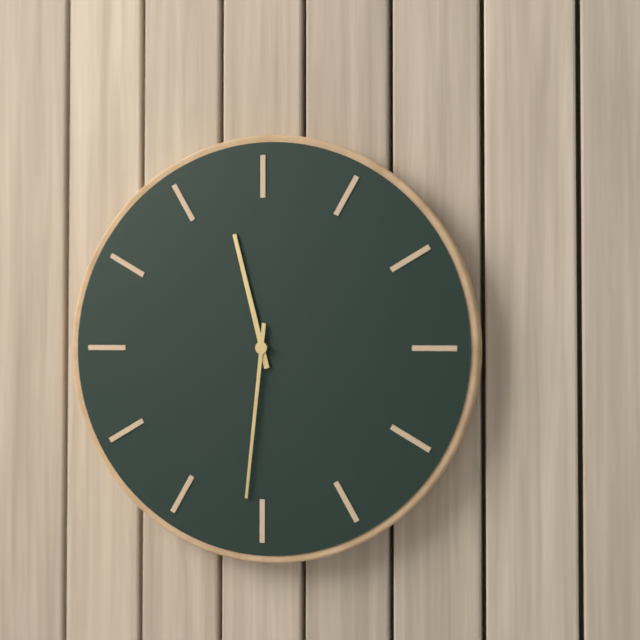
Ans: {"hour": 11, "minute": 31}
